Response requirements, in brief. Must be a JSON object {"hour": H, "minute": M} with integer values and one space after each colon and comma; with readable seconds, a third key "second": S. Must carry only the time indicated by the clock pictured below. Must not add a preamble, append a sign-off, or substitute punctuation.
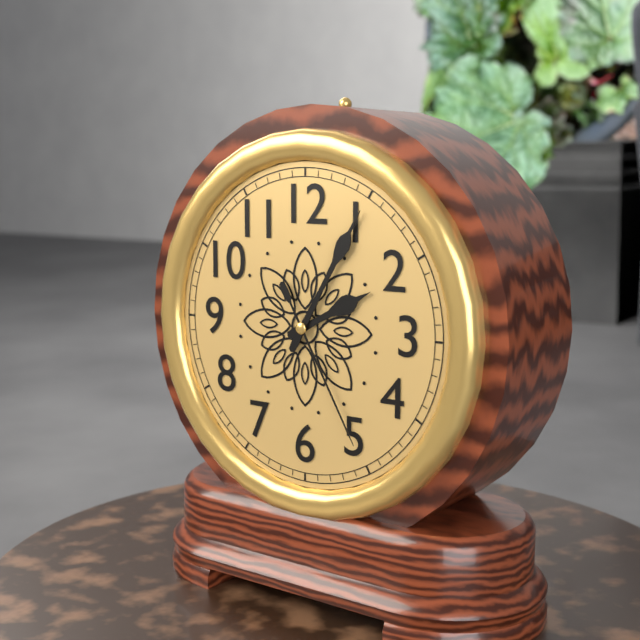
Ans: {"hour": 2, "minute": 5, "second": 25}
